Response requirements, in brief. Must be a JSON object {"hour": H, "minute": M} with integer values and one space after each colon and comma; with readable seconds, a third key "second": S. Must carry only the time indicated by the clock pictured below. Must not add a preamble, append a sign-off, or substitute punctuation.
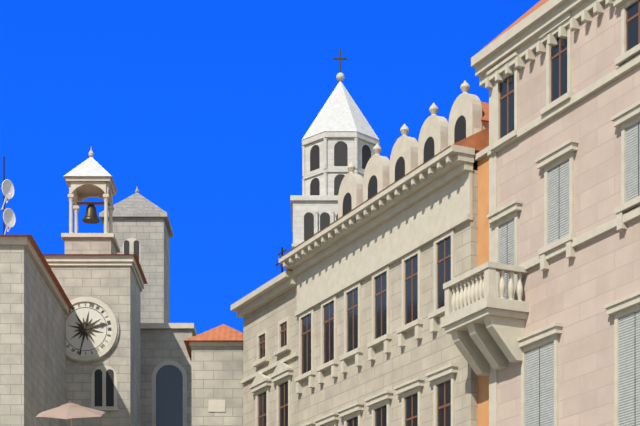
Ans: {"hour": 2, "minute": 32}
